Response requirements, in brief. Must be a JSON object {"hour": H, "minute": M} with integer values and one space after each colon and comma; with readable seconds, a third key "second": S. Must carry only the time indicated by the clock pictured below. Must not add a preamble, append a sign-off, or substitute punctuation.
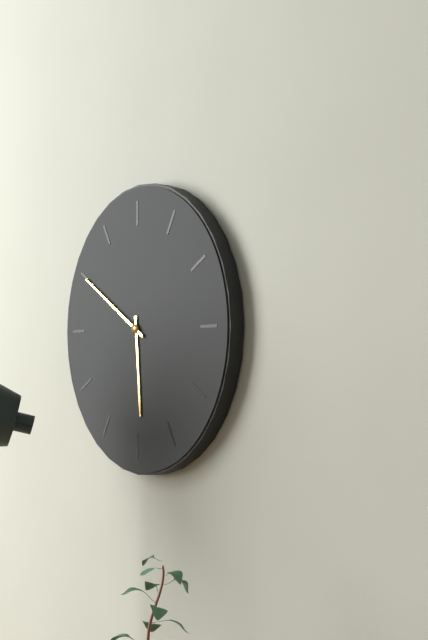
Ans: {"hour": 5, "minute": 50}
